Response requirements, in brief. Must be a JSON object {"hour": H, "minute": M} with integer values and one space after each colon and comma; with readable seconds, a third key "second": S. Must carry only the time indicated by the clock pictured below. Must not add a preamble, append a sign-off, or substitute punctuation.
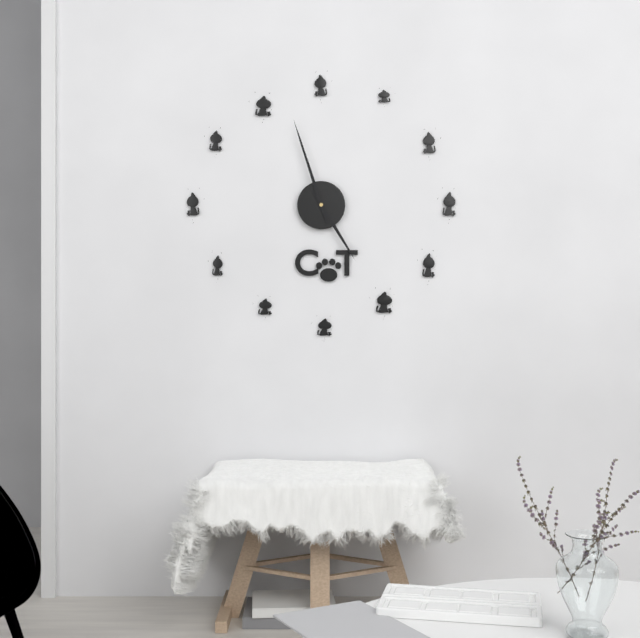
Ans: {"hour": 4, "minute": 57}
